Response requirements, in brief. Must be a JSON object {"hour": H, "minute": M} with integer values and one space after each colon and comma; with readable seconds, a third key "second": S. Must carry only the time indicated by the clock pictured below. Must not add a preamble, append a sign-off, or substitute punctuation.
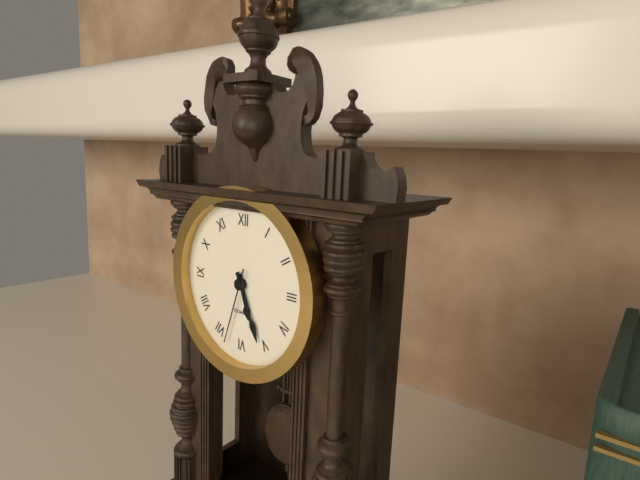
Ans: {"hour": 5, "minute": 26, "second": 33}
